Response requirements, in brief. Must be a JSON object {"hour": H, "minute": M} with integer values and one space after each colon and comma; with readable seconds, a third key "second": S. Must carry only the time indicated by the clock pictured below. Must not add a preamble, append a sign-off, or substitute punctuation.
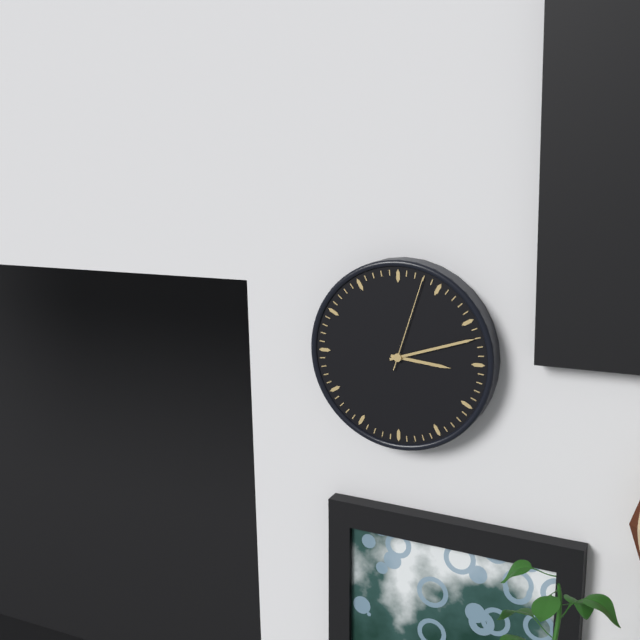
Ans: {"hour": 3, "minute": 12, "second": 3}
